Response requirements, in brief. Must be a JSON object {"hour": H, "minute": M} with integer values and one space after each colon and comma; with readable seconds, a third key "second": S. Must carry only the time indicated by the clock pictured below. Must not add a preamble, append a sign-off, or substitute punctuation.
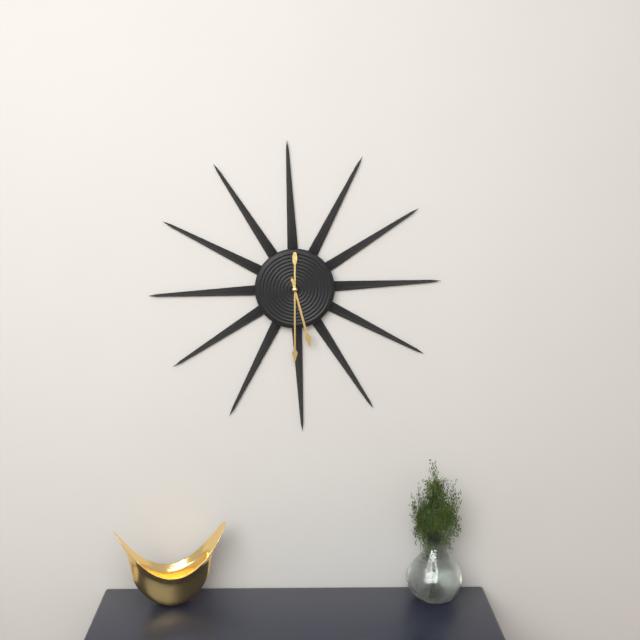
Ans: {"hour": 5, "minute": 30}
